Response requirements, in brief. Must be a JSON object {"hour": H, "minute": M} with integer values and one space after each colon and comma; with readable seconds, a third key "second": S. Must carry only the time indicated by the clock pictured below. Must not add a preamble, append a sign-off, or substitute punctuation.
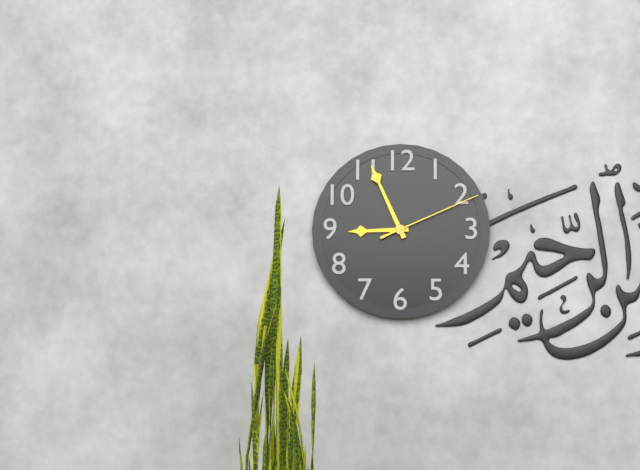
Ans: {"hour": 8, "minute": 56, "second": 11}
